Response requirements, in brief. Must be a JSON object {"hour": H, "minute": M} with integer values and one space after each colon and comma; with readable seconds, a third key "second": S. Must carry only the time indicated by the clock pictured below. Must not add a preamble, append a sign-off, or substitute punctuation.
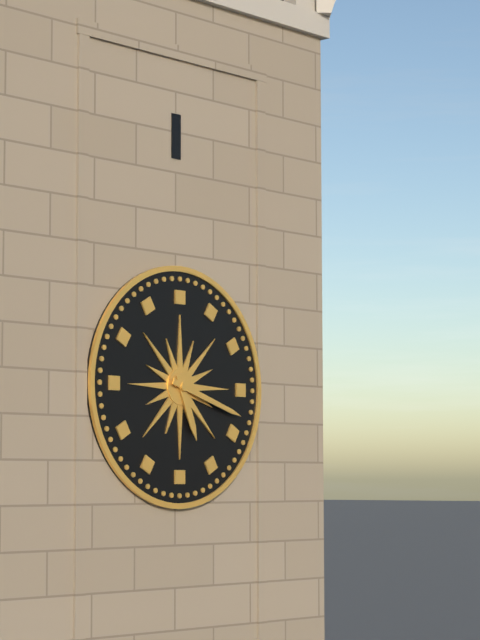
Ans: {"hour": 5, "minute": 18}
